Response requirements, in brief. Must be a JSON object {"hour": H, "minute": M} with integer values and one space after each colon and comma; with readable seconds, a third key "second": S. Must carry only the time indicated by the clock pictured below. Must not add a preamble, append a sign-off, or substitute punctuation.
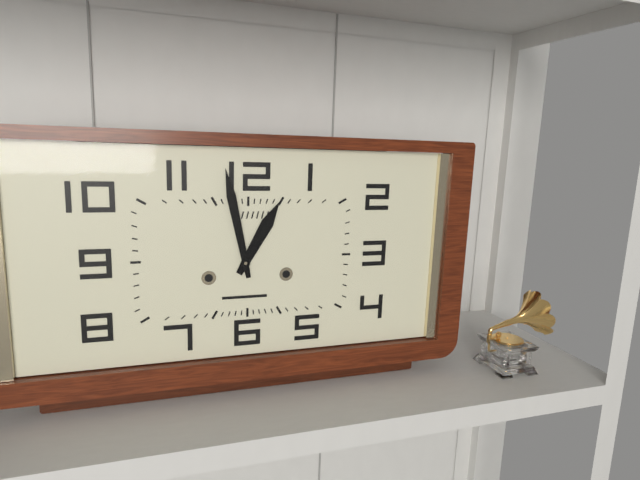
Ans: {"hour": 12, "minute": 58}
